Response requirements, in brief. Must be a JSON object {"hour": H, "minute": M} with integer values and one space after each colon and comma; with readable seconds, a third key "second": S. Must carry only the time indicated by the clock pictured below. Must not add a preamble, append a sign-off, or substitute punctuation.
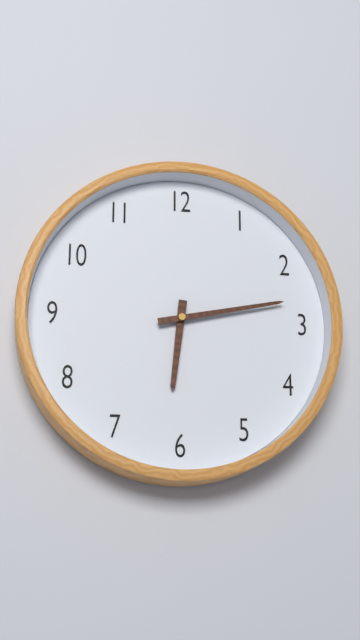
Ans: {"hour": 6, "minute": 13}
